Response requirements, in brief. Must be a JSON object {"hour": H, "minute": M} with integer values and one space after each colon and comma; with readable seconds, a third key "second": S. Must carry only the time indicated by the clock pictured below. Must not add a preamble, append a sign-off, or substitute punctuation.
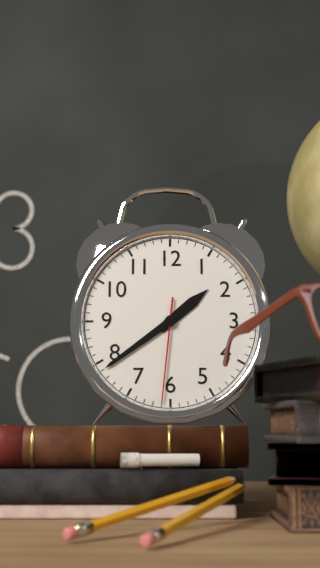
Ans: {"hour": 1, "minute": 39, "second": 31}
